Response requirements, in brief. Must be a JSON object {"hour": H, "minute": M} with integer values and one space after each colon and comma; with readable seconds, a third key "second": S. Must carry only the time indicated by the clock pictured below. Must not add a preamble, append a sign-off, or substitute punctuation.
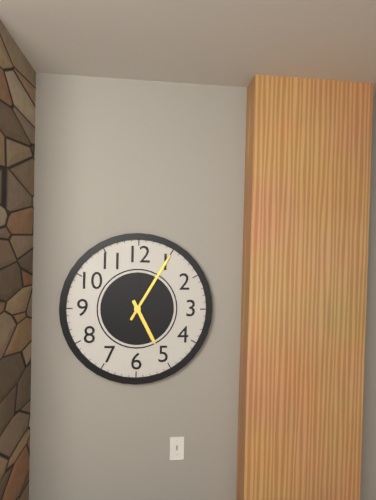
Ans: {"hour": 5, "minute": 5}
